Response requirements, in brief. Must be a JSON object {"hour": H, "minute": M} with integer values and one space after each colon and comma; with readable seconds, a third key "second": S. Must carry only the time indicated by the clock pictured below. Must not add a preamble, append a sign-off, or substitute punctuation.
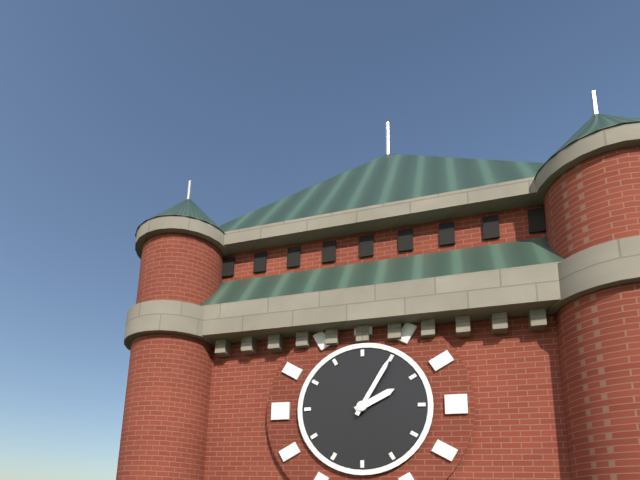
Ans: {"hour": 2, "minute": 5}
